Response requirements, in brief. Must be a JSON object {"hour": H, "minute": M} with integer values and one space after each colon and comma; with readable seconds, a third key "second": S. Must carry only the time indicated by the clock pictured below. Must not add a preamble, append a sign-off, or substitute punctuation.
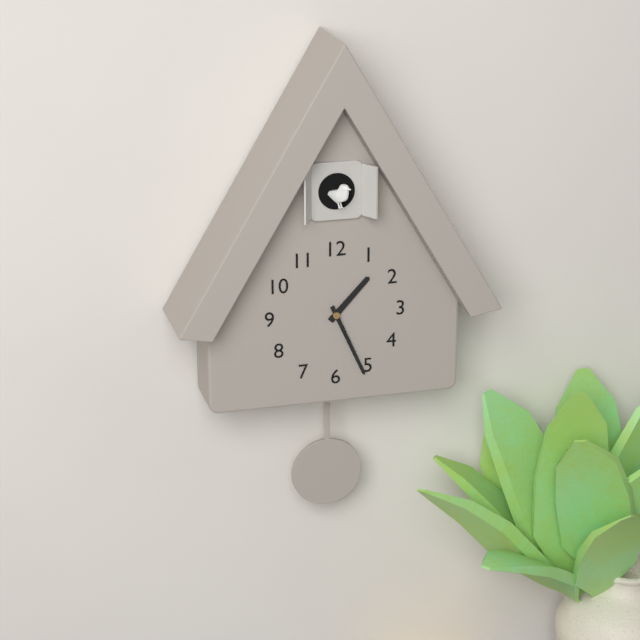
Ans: {"hour": 1, "minute": 26}
